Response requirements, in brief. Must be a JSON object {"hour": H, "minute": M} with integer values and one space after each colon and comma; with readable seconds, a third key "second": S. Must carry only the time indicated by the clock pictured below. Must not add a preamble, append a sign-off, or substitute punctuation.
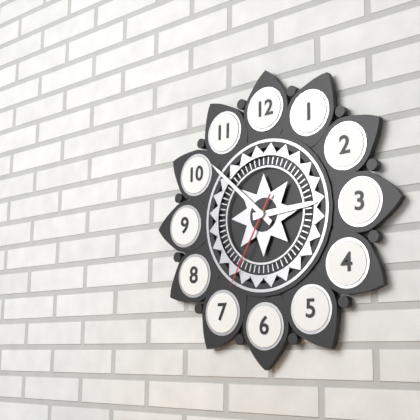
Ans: {"hour": 2, "minute": 52, "second": 35}
